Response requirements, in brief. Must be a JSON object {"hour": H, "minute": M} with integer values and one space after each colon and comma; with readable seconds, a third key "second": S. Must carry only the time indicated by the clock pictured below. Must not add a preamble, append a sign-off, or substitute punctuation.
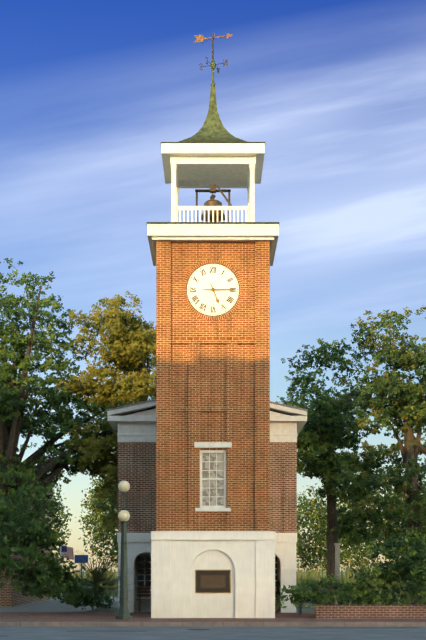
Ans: {"hour": 5, "minute": 15}
